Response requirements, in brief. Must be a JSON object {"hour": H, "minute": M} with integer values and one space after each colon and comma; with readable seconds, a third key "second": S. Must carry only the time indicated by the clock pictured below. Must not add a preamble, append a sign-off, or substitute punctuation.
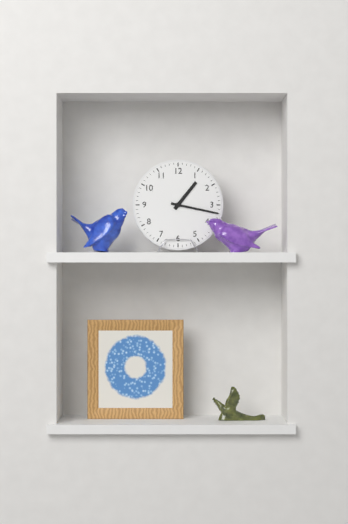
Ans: {"hour": 1, "minute": 17}
